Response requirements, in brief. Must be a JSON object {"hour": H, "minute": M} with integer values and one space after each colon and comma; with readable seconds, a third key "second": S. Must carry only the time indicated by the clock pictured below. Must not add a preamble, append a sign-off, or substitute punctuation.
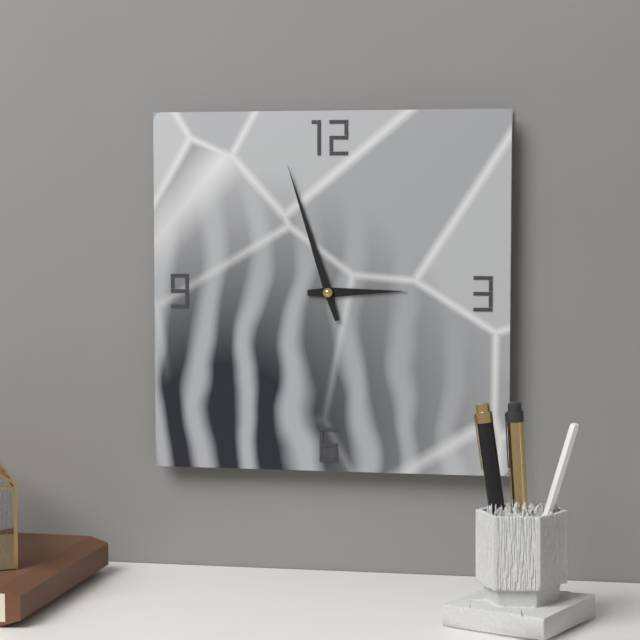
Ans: {"hour": 2, "minute": 57}
